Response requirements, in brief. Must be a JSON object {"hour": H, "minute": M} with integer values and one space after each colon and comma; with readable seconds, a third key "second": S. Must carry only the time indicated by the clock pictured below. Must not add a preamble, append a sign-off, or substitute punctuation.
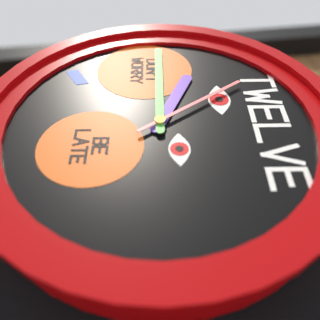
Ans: {"hour": 9, "minute": 45, "second": 54}
